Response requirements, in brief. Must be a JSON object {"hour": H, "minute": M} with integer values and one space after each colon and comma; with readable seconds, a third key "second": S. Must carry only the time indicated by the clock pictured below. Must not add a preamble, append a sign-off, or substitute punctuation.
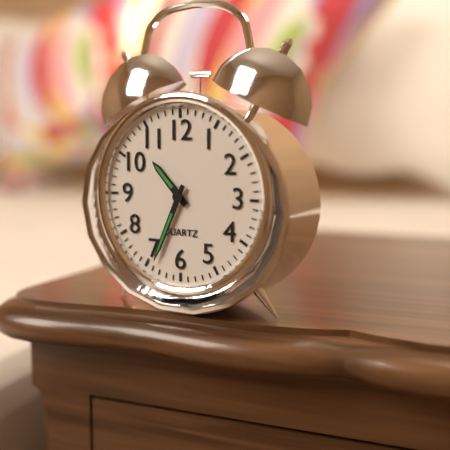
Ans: {"hour": 10, "minute": 34}
